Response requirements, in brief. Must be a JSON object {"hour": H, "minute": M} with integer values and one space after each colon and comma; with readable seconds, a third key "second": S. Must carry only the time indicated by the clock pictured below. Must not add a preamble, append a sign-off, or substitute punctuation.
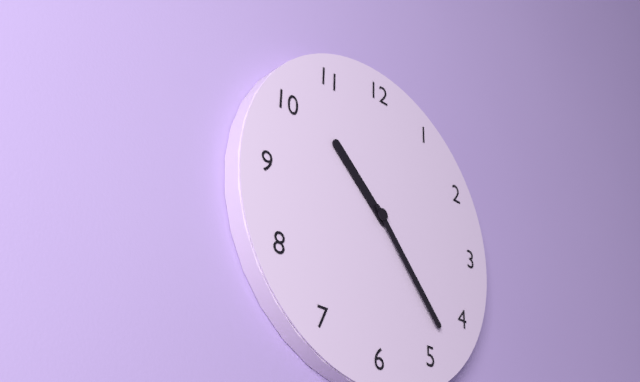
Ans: {"hour": 10, "minute": 23}
